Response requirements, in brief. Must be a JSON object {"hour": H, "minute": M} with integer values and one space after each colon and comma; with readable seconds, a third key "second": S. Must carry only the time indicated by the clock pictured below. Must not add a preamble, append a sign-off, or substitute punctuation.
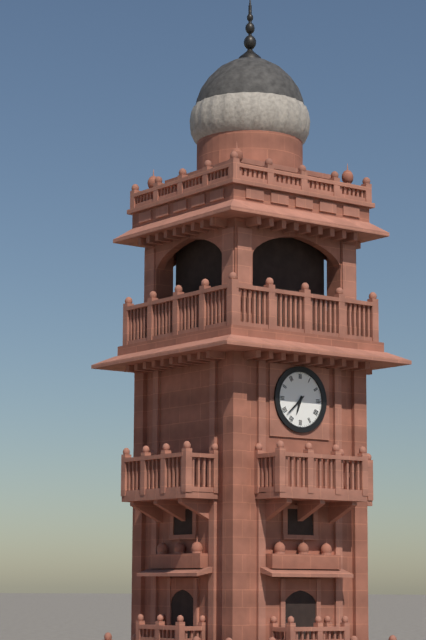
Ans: {"hour": 6, "minute": 38}
